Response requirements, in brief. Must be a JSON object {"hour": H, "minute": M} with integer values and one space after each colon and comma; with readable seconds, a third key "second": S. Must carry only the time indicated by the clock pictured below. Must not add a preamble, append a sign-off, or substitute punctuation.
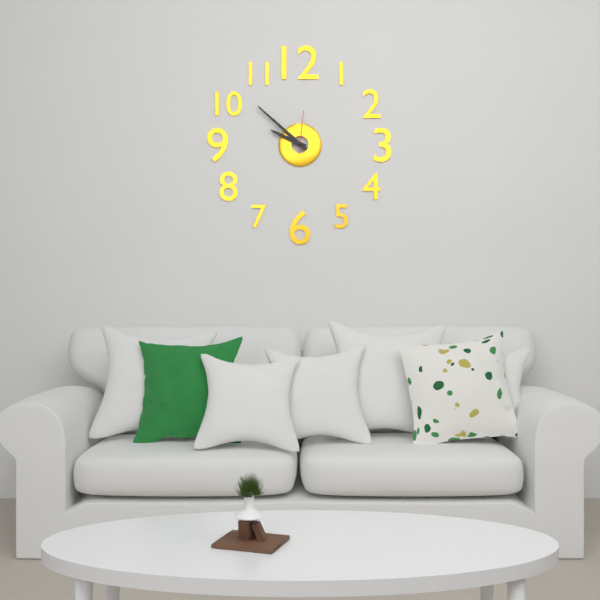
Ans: {"hour": 9, "minute": 52}
